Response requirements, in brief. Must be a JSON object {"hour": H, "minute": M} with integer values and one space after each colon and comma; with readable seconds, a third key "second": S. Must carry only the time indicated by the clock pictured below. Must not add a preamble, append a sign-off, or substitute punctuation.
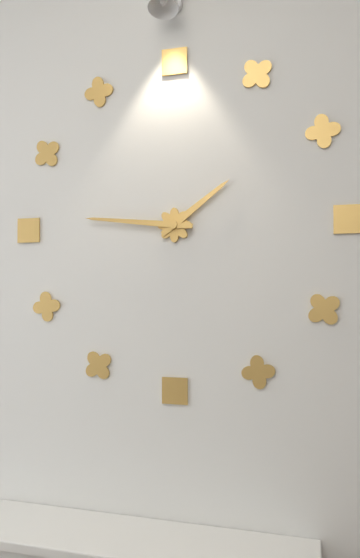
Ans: {"hour": 1, "minute": 46}
